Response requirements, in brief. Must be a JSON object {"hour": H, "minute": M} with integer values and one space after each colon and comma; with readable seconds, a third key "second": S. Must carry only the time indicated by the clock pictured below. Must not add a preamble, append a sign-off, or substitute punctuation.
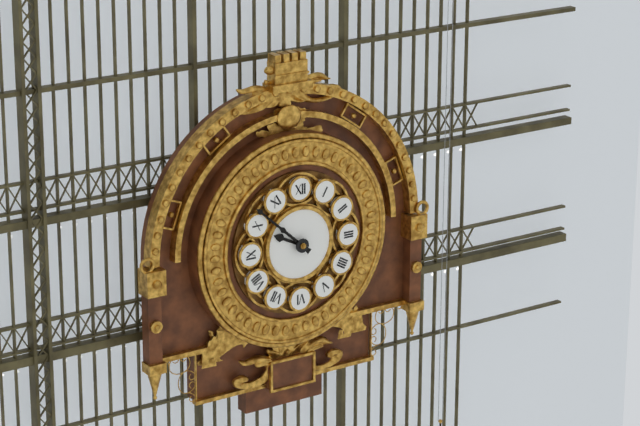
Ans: {"hour": 9, "minute": 52}
